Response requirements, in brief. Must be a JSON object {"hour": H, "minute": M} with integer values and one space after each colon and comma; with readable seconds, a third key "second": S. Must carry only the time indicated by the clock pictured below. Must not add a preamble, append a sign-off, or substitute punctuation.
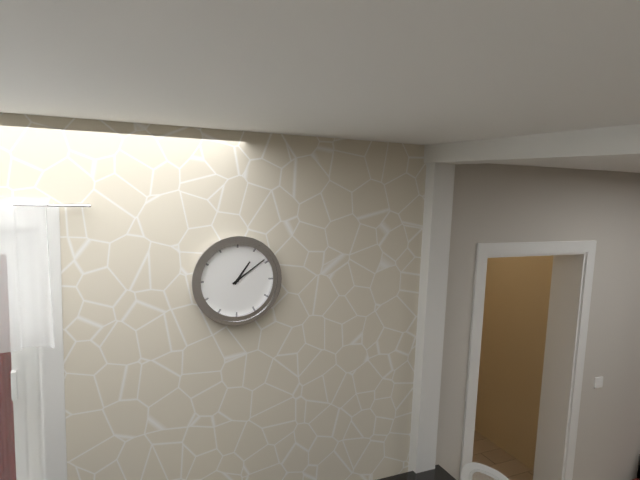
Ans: {"hour": 1, "minute": 9}
